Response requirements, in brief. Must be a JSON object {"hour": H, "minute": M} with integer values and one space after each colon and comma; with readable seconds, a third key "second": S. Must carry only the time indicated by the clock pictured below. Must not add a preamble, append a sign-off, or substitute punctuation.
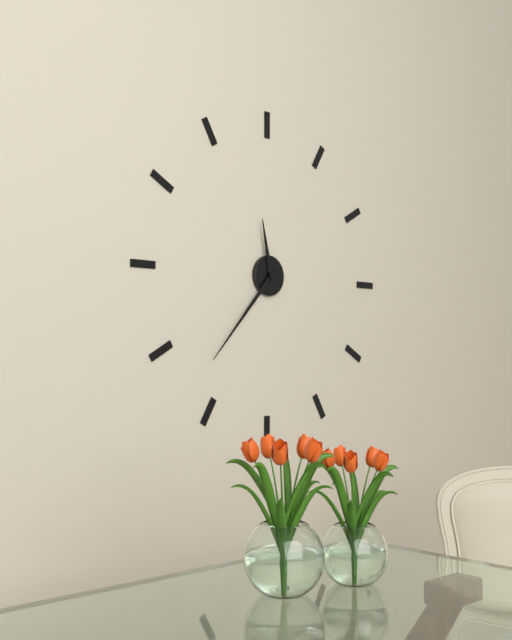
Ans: {"hour": 11, "minute": 37}
